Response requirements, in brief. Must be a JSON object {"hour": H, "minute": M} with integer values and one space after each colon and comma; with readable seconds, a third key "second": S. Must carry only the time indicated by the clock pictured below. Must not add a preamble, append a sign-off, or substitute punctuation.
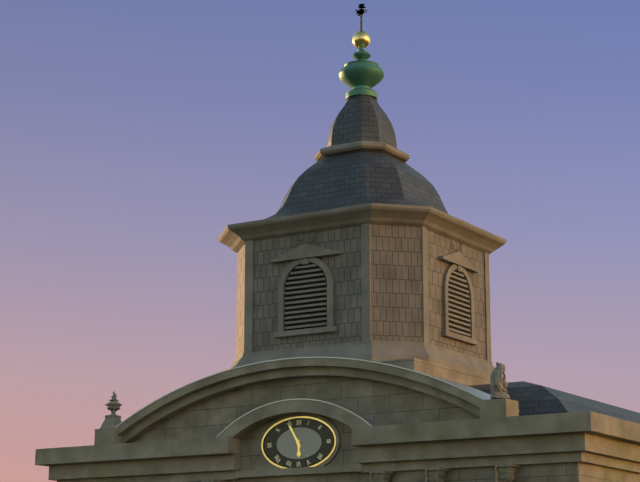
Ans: {"hour": 5, "minute": 55}
